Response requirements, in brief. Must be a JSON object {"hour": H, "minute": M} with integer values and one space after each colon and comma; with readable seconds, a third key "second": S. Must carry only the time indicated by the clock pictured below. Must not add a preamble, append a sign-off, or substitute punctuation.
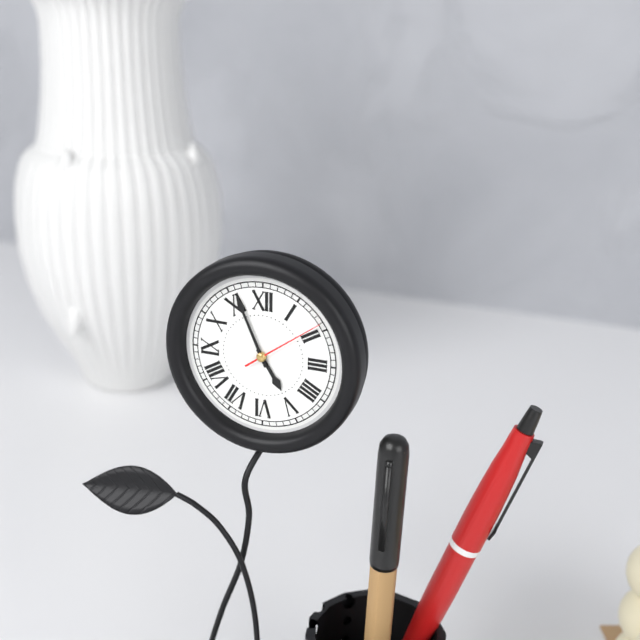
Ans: {"hour": 4, "minute": 56, "second": 9}
